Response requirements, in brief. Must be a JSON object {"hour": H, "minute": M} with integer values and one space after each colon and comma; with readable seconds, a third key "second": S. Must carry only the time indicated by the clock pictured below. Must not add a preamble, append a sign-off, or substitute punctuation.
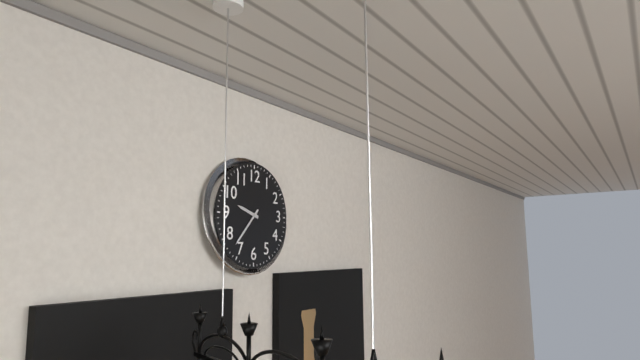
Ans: {"hour": 9, "minute": 37}
